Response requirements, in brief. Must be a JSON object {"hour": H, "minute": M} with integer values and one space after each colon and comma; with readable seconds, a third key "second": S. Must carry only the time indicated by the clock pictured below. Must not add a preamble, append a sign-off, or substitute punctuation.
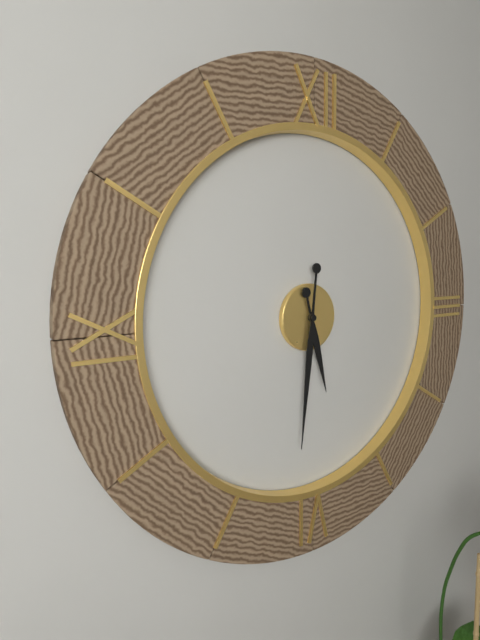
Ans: {"hour": 5, "minute": 31}
